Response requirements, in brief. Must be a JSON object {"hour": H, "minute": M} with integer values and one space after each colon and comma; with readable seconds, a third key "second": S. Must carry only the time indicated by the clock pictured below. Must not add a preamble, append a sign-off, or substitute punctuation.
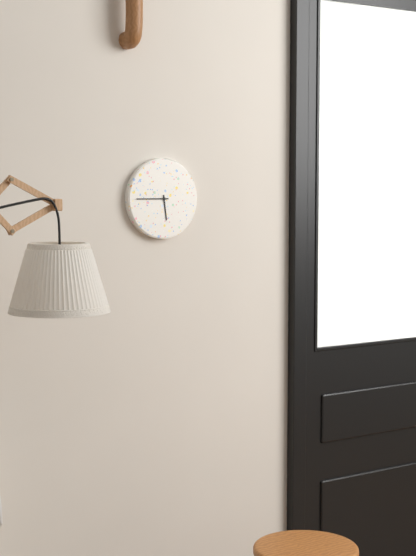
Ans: {"hour": 5, "minute": 45}
